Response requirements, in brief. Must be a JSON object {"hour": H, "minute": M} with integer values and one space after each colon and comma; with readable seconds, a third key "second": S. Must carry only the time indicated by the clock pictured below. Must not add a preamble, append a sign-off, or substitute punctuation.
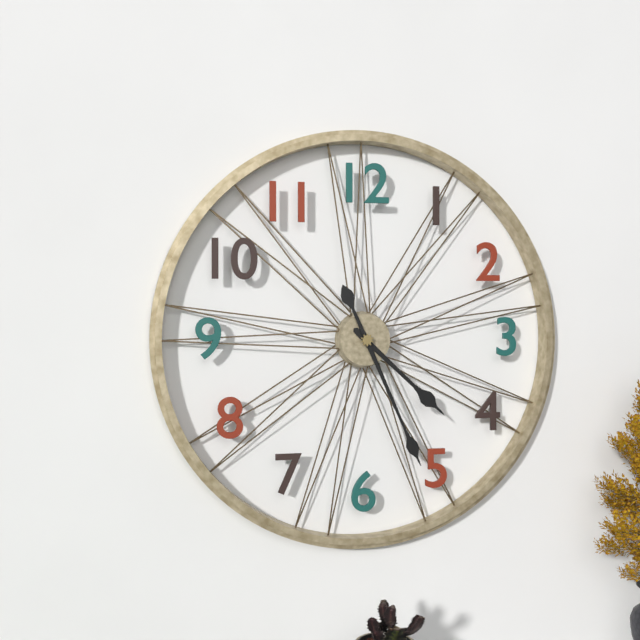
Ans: {"hour": 4, "minute": 26}
